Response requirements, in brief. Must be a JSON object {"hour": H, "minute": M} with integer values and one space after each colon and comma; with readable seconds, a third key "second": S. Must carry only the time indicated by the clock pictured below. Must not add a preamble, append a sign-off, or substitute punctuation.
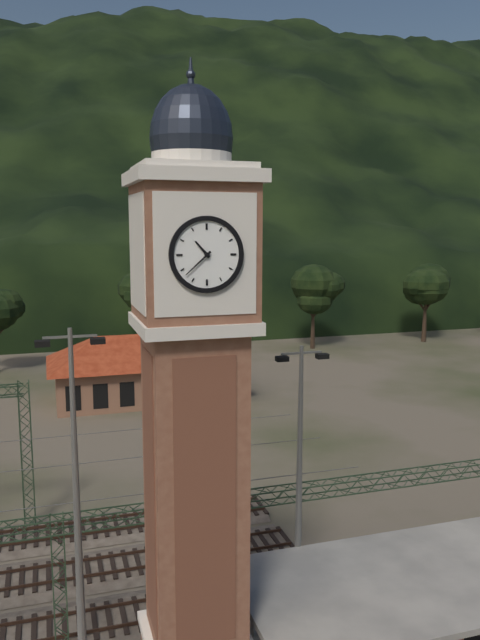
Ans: {"hour": 10, "minute": 38}
